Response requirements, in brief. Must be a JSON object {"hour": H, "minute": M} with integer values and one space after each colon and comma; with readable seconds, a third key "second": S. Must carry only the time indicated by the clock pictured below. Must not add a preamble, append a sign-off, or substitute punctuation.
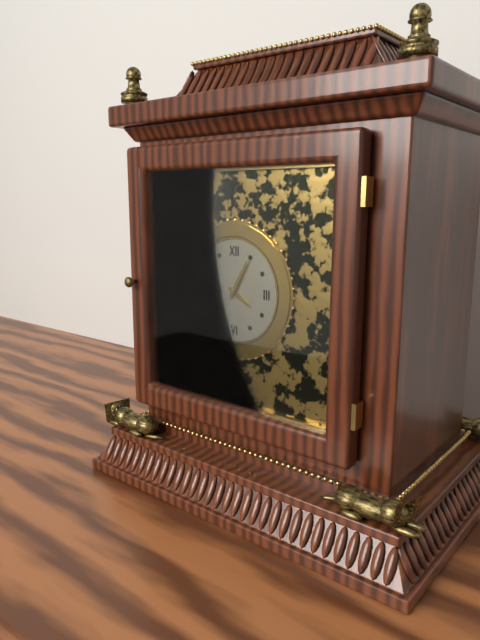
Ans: {"hour": 4, "minute": 5}
